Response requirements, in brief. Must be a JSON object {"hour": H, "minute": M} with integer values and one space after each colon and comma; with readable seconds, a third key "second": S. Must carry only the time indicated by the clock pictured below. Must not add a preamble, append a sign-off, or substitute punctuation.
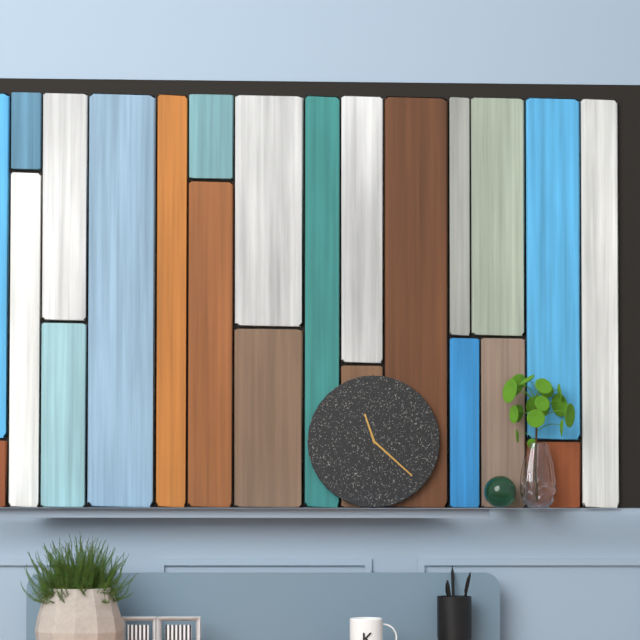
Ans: {"hour": 11, "minute": 22}
